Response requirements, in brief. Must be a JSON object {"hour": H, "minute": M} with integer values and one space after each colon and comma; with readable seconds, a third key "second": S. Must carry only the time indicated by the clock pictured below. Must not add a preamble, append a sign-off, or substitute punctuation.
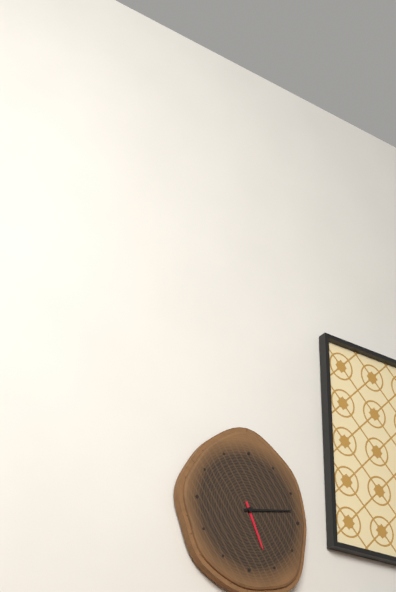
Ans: {"hour": 5, "minute": 13}
